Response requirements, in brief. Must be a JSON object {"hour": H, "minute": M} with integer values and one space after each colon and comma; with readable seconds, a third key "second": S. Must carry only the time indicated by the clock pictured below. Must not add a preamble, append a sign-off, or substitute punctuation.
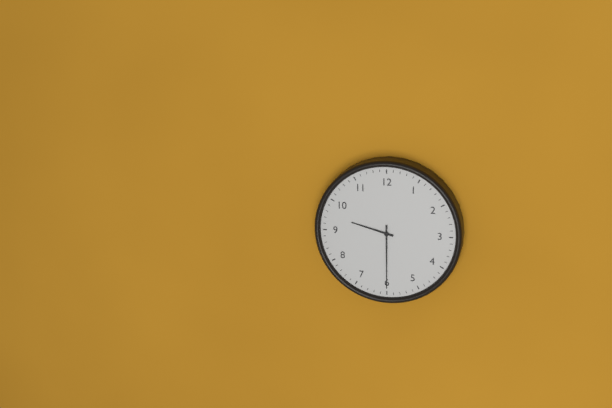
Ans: {"hour": 9, "minute": 30}
